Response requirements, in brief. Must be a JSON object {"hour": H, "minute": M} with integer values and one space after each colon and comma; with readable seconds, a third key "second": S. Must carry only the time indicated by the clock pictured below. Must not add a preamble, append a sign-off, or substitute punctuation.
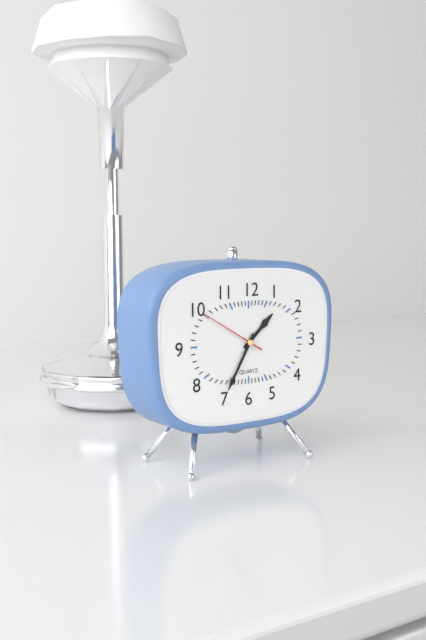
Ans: {"hour": 1, "minute": 35, "second": 50}
